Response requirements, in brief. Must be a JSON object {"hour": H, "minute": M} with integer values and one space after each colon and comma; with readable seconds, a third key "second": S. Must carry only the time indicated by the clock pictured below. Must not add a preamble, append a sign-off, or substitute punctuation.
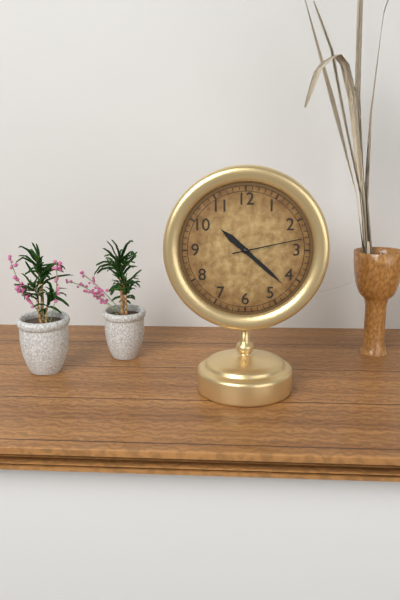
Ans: {"hour": 10, "minute": 22, "second": 13}
